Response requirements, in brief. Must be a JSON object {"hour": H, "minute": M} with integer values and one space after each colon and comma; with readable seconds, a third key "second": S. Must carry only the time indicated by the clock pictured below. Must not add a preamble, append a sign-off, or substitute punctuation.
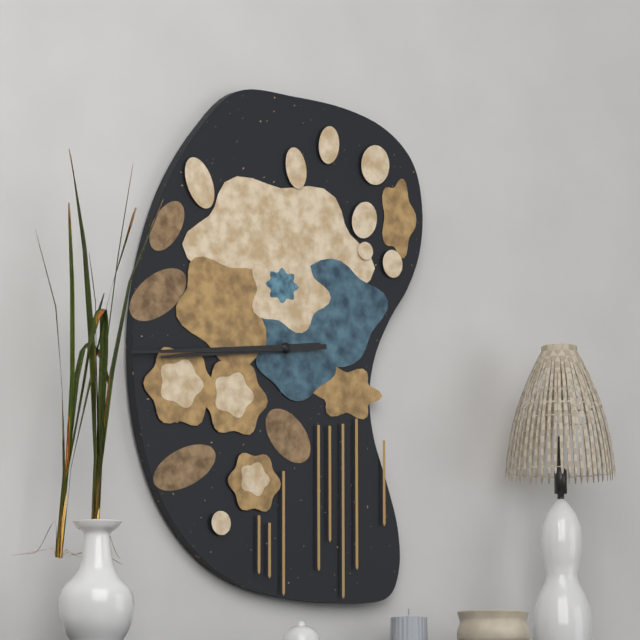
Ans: {"hour": 8, "minute": 44}
